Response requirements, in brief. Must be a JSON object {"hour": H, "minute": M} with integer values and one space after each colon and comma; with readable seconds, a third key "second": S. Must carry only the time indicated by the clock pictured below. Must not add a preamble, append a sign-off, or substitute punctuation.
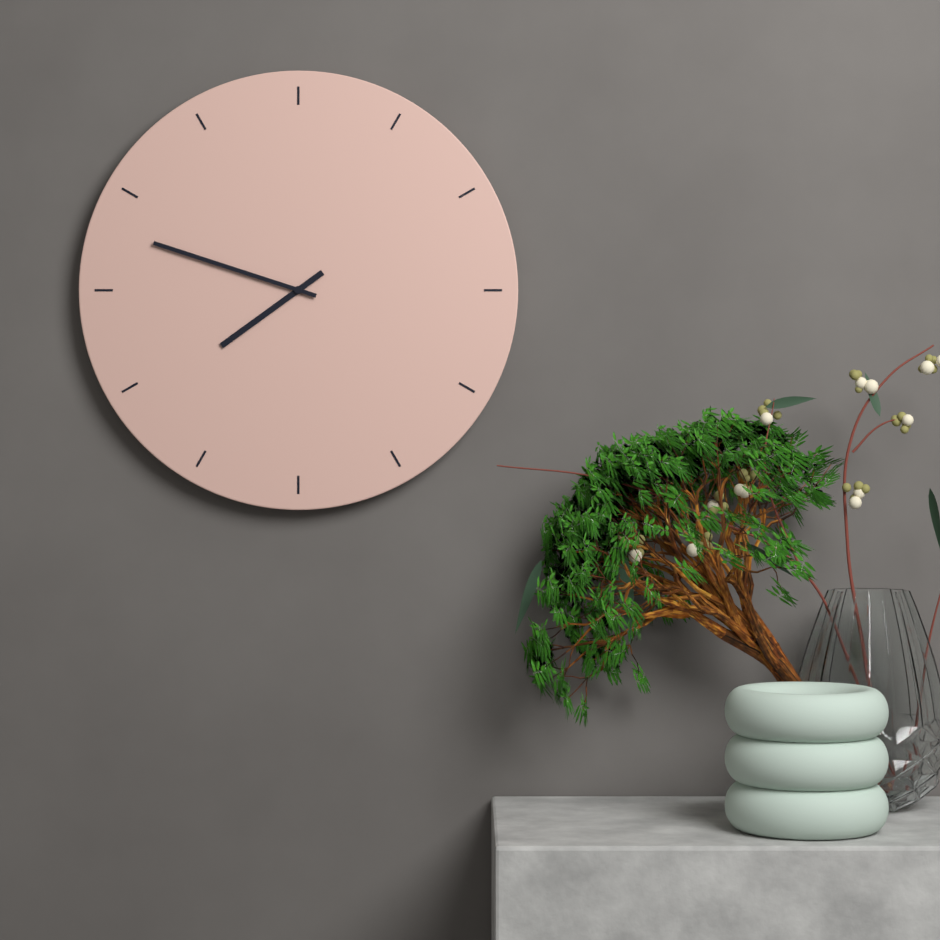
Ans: {"hour": 7, "minute": 48}
